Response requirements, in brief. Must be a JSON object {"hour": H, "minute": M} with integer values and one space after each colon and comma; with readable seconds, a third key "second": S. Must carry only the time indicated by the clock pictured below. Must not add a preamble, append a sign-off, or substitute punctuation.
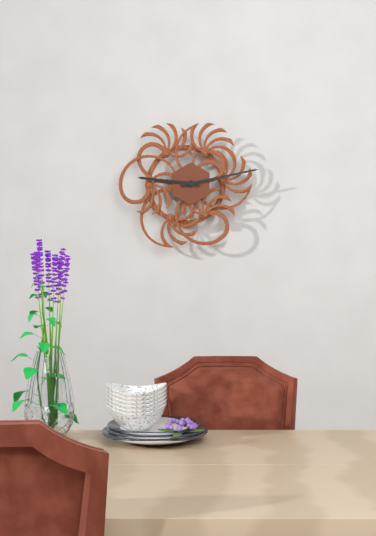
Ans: {"hour": 9, "minute": 13}
